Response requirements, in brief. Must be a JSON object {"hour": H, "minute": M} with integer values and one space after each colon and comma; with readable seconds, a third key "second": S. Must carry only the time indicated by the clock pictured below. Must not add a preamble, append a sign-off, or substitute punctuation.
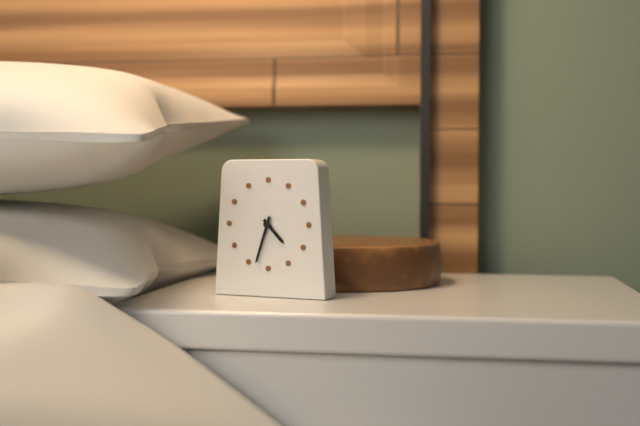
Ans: {"hour": 4, "minute": 33}
